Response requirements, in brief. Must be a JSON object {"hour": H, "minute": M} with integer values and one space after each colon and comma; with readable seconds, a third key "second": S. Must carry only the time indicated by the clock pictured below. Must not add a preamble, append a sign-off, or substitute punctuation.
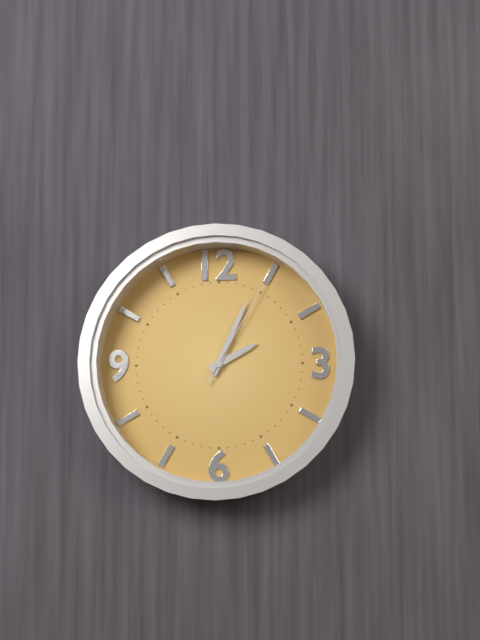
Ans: {"hour": 2, "minute": 4, "second": 5}
